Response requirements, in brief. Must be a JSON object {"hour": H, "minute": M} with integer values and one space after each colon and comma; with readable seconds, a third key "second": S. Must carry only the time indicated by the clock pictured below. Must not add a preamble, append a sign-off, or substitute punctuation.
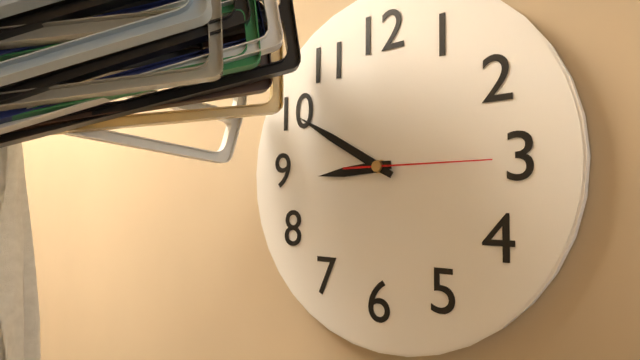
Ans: {"hour": 8, "minute": 50, "second": 15}
